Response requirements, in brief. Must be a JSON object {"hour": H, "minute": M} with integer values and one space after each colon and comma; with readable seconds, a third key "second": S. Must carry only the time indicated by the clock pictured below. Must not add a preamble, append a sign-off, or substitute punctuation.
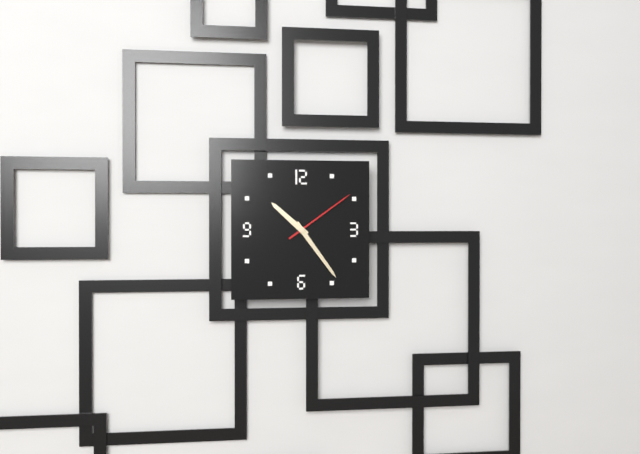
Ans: {"hour": 10, "minute": 24, "second": 9}
